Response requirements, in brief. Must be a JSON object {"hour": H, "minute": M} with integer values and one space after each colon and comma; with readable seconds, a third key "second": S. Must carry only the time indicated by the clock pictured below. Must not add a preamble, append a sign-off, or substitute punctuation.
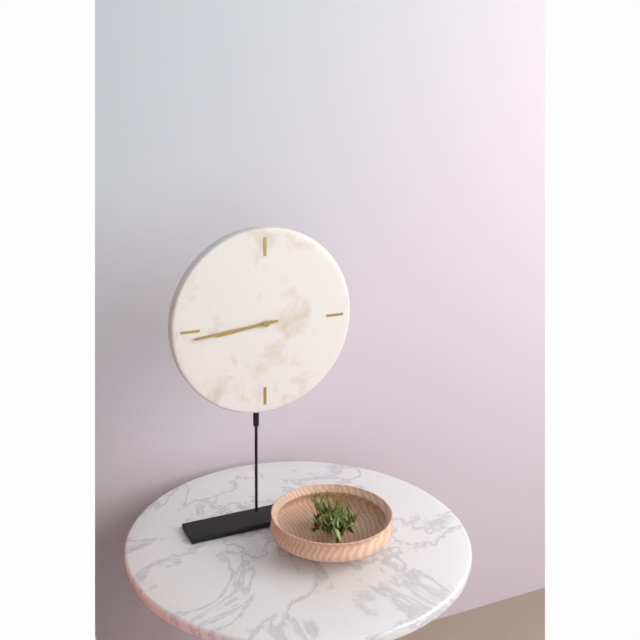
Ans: {"hour": 8, "minute": 44}
